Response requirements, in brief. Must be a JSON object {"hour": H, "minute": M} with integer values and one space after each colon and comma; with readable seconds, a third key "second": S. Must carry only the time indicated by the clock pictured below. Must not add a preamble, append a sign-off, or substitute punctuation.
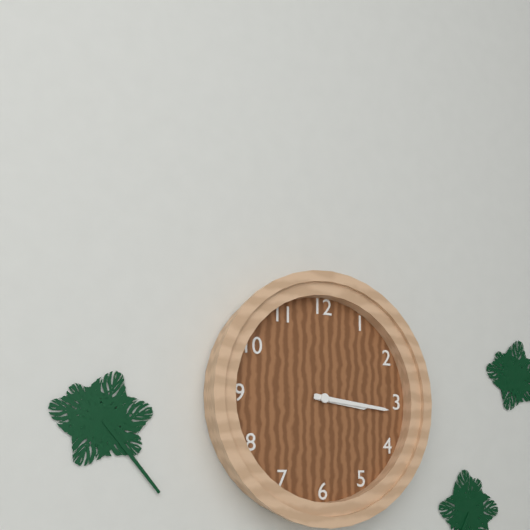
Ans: {"hour": 3, "minute": 16}
